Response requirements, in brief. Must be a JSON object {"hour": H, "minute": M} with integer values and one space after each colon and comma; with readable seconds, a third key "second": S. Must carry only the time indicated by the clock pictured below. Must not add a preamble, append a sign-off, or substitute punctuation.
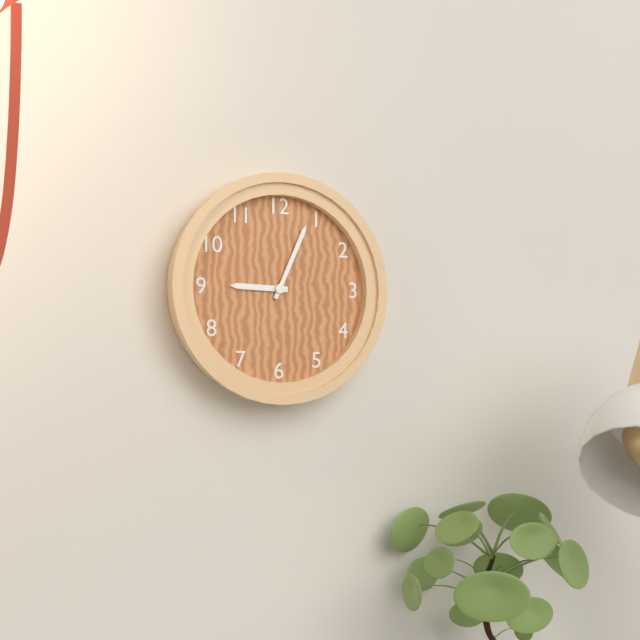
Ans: {"hour": 9, "minute": 4}
